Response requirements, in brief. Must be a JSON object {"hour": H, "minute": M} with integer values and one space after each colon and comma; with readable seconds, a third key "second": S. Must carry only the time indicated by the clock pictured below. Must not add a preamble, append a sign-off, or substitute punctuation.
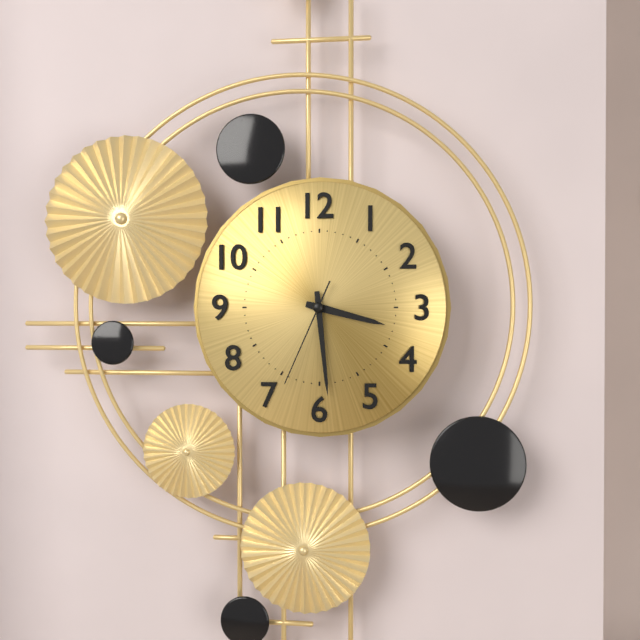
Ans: {"hour": 3, "minute": 29, "second": 34}
